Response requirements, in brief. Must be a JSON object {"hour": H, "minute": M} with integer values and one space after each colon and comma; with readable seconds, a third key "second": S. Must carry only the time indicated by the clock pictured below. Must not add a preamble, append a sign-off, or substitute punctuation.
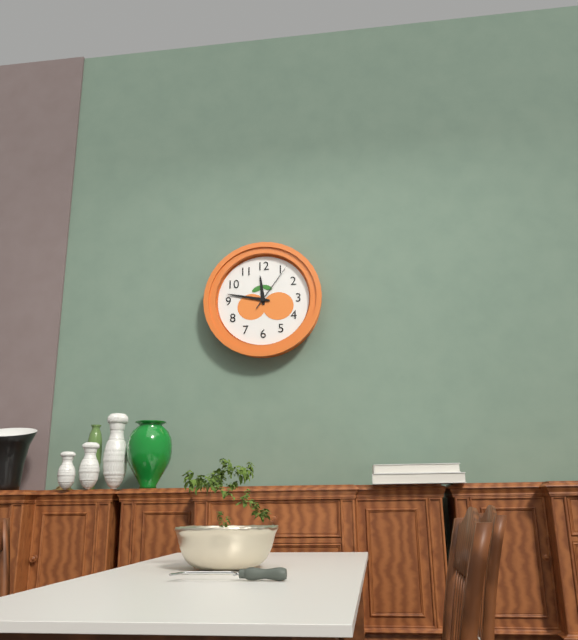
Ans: {"hour": 11, "minute": 47, "second": 6}
